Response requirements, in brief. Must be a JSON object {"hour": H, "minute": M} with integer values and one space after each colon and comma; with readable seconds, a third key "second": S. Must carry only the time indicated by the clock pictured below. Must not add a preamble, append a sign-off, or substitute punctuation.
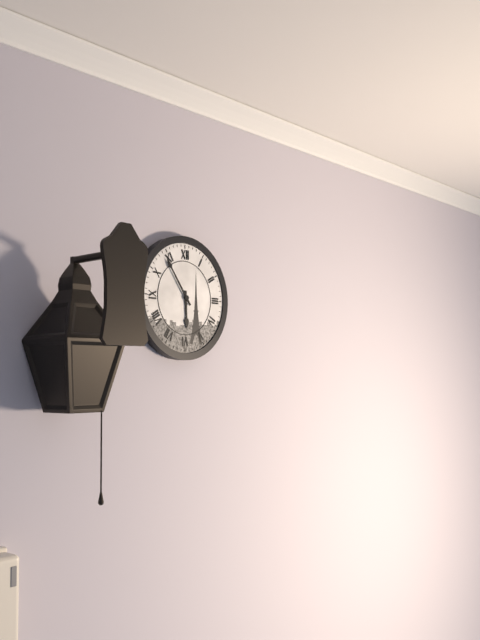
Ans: {"hour": 5, "minute": 54}
